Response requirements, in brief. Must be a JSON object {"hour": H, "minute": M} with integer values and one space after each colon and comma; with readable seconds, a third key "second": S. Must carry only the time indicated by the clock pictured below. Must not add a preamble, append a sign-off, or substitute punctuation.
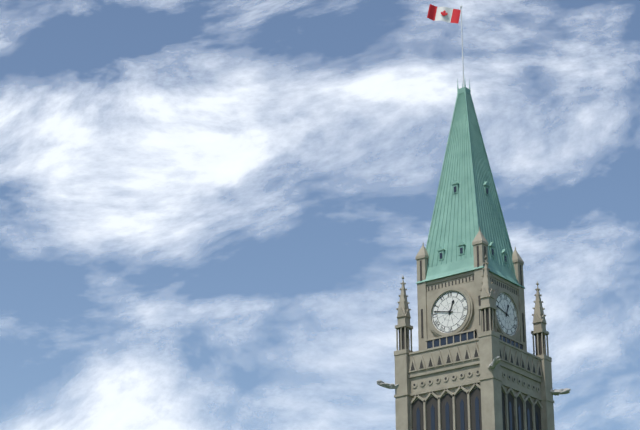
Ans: {"hour": 12, "minute": 47}
